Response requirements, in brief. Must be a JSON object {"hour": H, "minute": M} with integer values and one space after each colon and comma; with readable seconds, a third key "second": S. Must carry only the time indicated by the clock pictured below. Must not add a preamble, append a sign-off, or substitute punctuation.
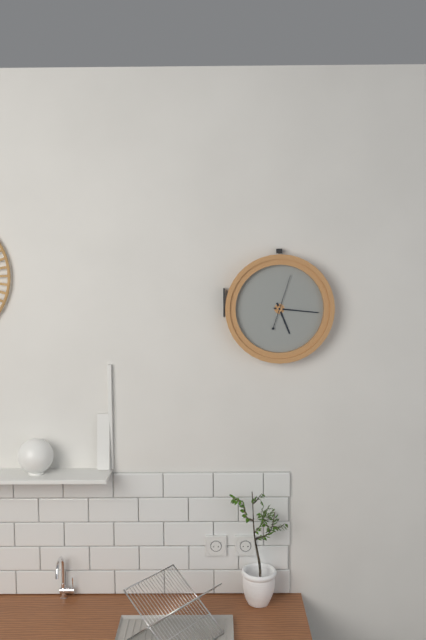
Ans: {"hour": 5, "minute": 16}
